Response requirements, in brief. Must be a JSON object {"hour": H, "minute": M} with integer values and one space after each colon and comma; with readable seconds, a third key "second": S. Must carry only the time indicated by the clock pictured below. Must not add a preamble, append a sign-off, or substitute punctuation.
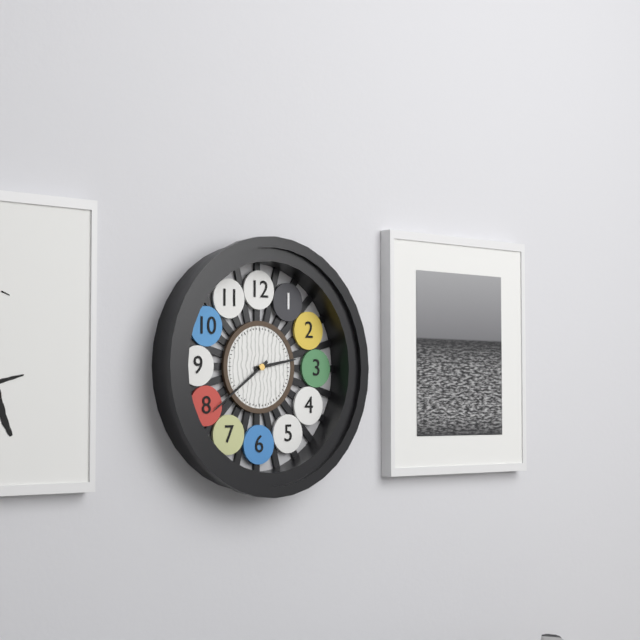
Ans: {"hour": 2, "minute": 39}
